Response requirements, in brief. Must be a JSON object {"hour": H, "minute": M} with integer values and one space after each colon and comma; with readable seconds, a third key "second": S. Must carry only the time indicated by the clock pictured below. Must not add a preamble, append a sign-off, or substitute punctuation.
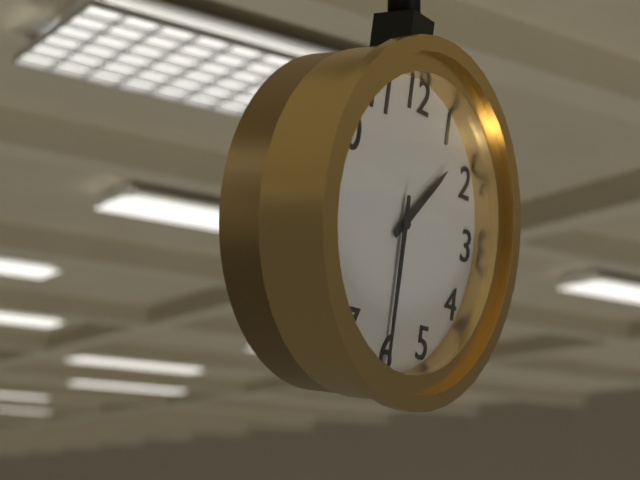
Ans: {"hour": 1, "minute": 30}
